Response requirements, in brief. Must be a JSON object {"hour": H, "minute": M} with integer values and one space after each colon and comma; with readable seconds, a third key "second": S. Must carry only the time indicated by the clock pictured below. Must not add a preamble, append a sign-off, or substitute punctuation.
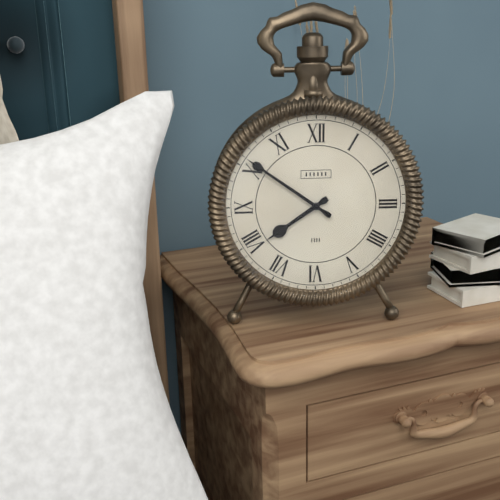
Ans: {"hour": 7, "minute": 51}
